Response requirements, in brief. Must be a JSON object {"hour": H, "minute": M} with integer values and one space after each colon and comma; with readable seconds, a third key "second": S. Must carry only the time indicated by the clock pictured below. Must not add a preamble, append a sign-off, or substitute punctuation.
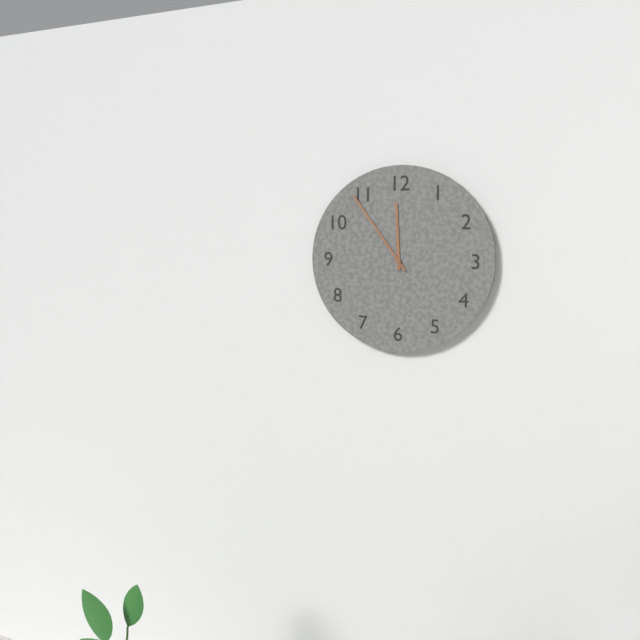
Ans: {"hour": 11, "minute": 54}
